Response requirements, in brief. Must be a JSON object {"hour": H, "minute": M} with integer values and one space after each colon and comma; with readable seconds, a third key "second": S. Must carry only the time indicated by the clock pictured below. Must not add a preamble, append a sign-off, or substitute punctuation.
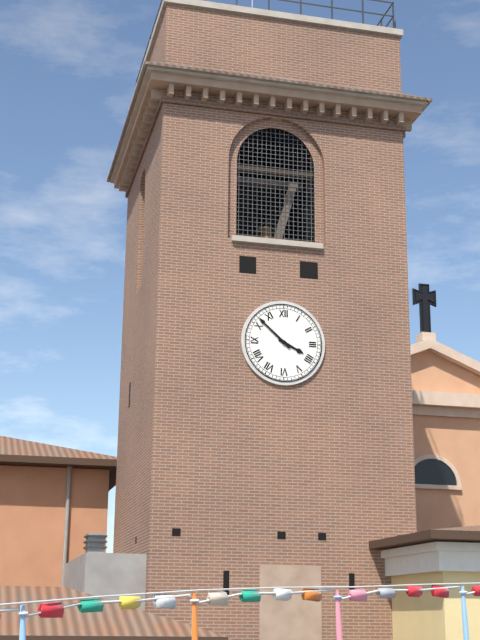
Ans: {"hour": 3, "minute": 52}
